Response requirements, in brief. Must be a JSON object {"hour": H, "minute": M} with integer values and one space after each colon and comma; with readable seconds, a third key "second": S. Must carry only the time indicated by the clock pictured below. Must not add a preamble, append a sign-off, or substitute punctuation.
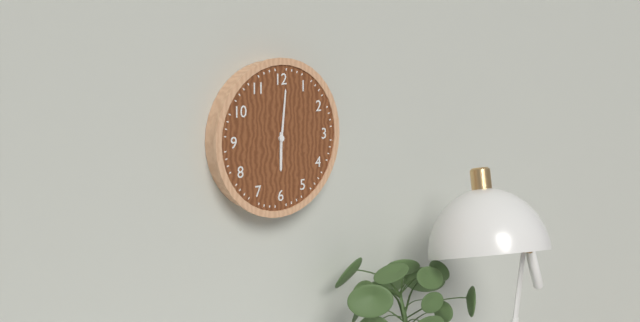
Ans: {"hour": 6, "minute": 1}
